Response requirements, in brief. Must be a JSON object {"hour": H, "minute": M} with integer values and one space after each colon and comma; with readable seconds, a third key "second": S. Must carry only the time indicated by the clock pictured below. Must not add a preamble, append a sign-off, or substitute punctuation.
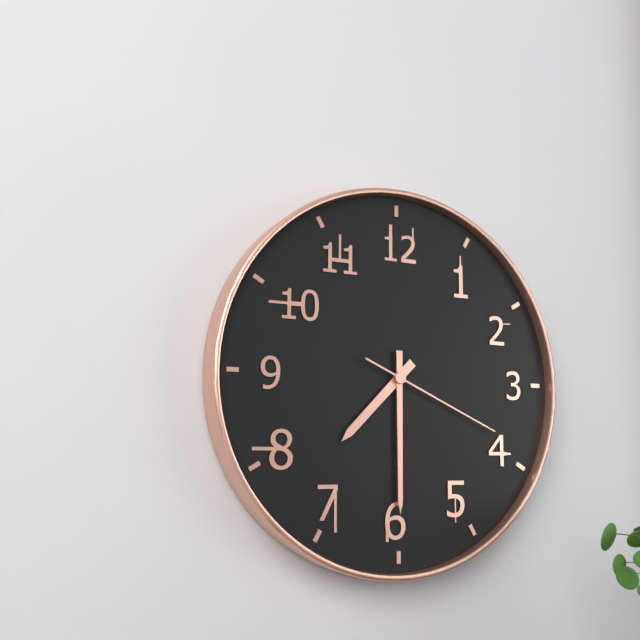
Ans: {"hour": 7, "minute": 30, "second": 19}
